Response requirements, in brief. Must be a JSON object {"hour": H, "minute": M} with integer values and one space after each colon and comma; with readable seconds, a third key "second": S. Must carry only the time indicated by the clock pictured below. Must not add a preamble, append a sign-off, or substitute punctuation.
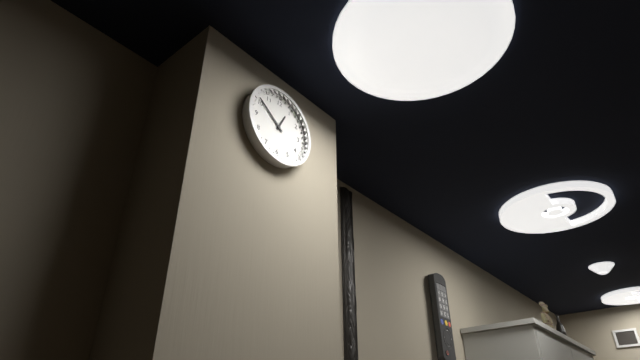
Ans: {"hour": 12, "minute": 51}
